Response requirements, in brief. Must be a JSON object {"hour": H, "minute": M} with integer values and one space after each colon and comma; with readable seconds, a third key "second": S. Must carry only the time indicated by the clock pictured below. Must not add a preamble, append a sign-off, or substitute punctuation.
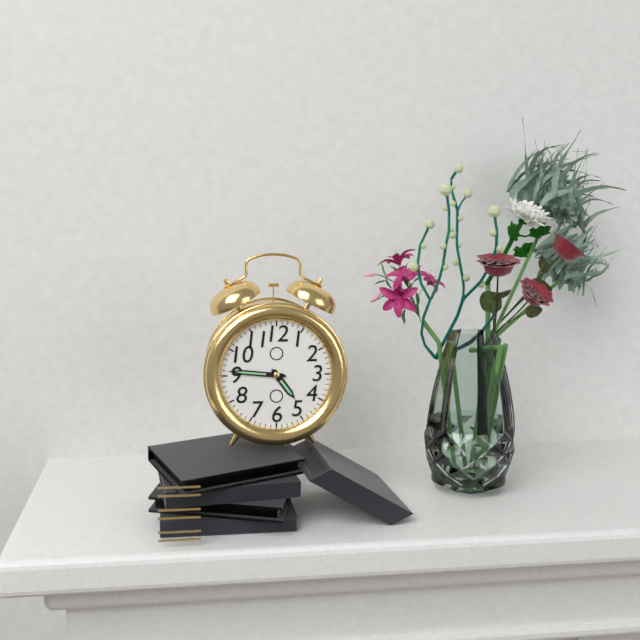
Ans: {"hour": 4, "minute": 46}
